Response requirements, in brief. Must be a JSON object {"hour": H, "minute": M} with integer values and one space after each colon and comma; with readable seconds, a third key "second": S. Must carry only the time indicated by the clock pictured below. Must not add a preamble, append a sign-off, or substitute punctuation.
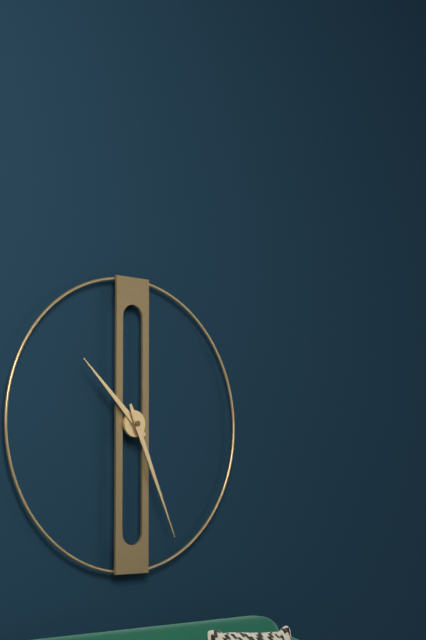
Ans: {"hour": 10, "minute": 26}
